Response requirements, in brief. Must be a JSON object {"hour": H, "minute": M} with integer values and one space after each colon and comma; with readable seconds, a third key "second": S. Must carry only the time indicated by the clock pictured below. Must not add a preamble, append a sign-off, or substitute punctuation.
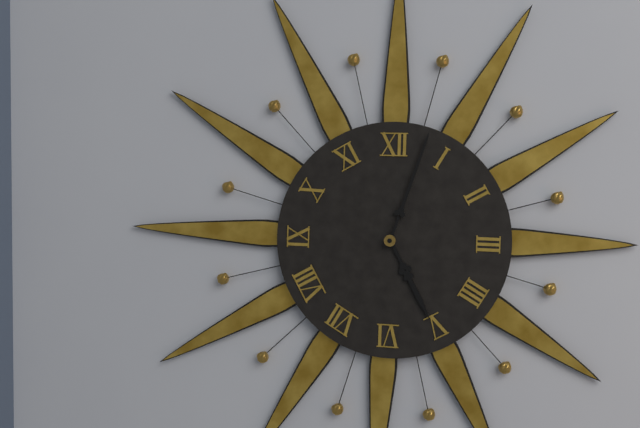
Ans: {"hour": 5, "minute": 3}
